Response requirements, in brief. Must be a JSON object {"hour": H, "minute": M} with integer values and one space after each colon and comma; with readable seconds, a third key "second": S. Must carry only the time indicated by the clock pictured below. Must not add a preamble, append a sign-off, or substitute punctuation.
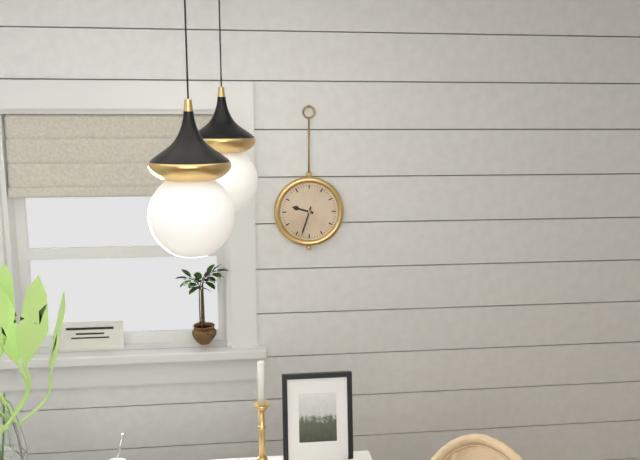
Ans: {"hour": 9, "minute": 33}
